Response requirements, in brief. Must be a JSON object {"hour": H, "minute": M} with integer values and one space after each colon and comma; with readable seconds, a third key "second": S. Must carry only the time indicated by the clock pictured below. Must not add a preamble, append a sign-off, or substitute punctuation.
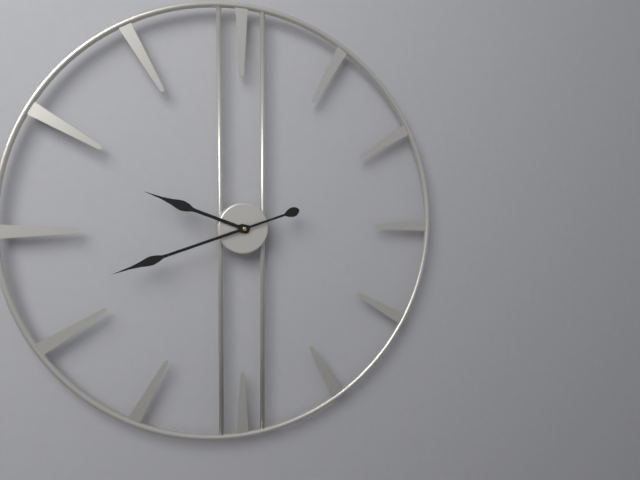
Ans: {"hour": 9, "minute": 42}
